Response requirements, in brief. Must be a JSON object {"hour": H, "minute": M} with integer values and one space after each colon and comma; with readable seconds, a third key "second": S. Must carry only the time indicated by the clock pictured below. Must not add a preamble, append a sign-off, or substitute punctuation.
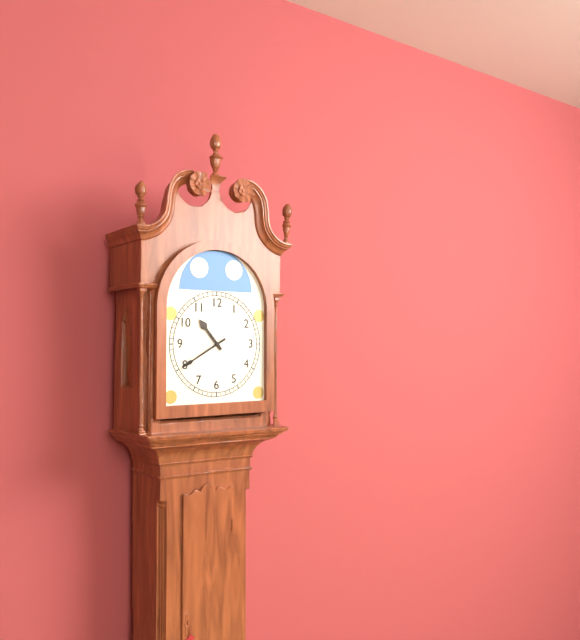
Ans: {"hour": 10, "minute": 40}
